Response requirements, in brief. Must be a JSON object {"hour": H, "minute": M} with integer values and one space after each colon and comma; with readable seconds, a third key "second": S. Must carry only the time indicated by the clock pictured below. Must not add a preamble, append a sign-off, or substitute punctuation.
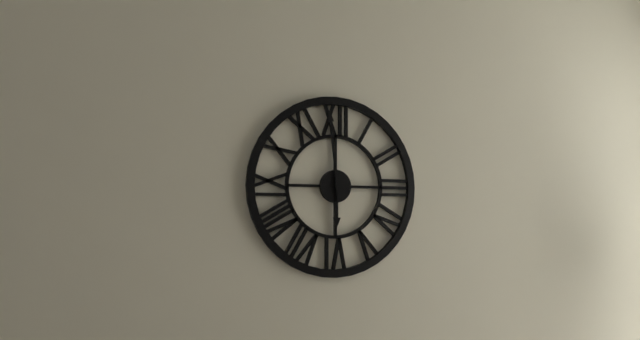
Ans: {"hour": 5, "minute": 59}
